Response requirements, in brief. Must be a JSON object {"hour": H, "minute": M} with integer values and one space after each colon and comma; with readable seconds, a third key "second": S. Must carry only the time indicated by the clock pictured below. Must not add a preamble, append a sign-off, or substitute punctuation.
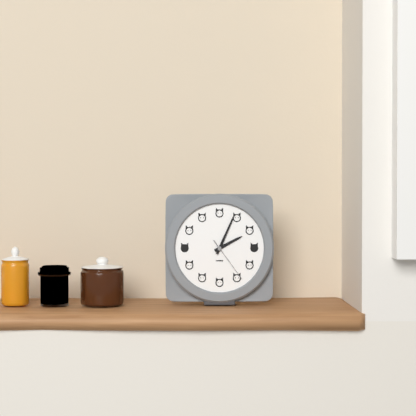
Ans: {"hour": 2, "minute": 4}
